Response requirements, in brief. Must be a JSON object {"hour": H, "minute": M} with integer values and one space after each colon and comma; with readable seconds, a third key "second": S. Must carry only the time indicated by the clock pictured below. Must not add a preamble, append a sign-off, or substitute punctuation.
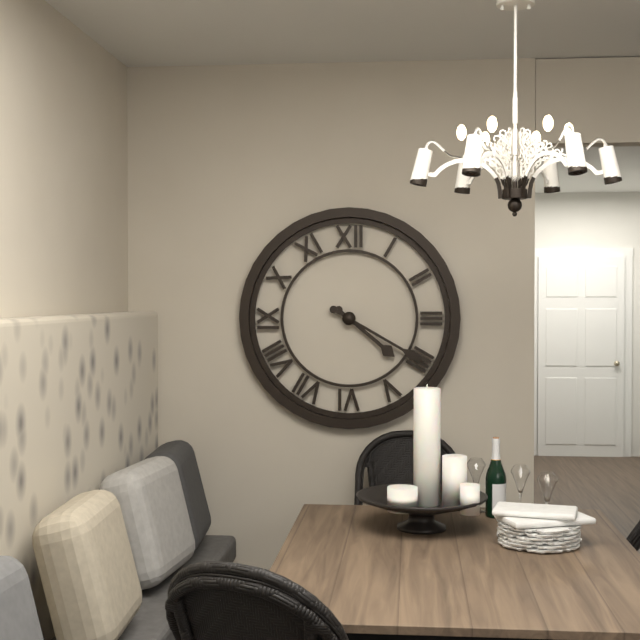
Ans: {"hour": 4, "minute": 20}
